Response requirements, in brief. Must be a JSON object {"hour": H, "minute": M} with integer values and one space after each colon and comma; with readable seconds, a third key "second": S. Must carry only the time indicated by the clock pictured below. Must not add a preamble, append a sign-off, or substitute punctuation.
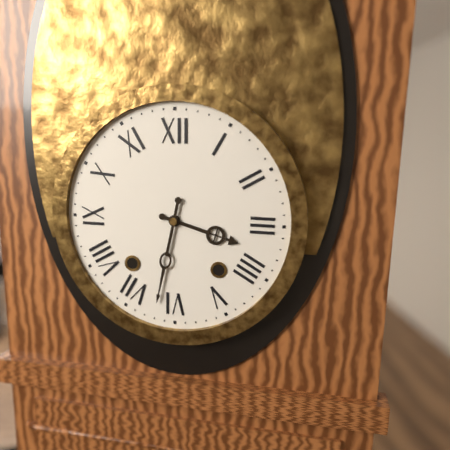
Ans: {"hour": 3, "minute": 32}
